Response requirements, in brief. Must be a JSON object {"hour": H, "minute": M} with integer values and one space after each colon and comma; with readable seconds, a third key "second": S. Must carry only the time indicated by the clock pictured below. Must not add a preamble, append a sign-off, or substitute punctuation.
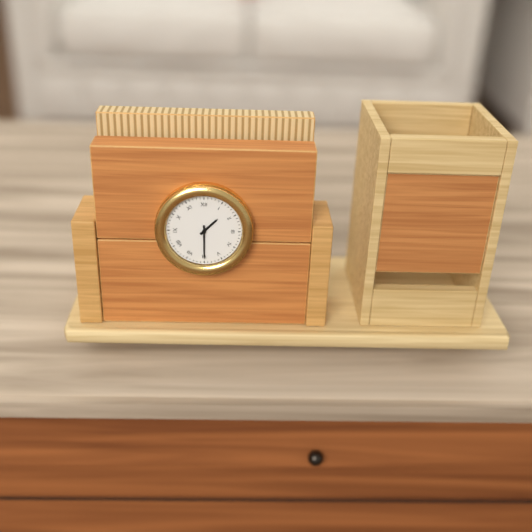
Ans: {"hour": 1, "minute": 30}
